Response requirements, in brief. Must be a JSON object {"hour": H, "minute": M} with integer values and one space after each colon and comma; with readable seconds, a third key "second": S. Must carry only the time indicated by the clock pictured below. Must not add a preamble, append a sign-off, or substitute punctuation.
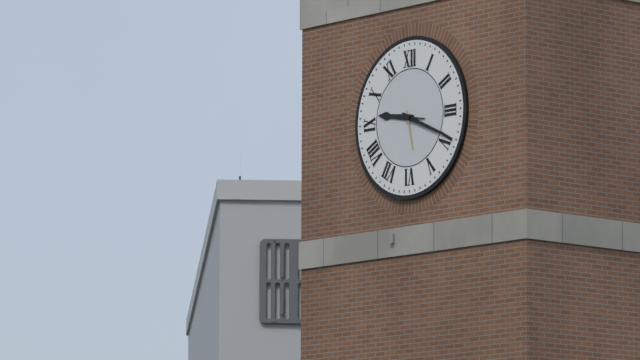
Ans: {"hour": 9, "minute": 19}
